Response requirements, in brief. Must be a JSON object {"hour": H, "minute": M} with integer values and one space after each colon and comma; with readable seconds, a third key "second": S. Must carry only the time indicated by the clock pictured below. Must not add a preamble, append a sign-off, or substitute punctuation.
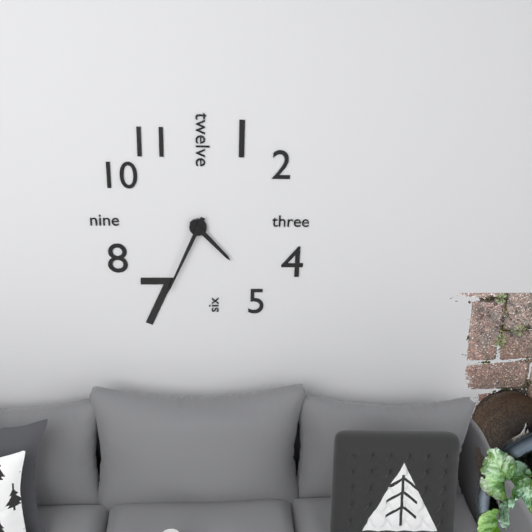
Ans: {"hour": 4, "minute": 34}
